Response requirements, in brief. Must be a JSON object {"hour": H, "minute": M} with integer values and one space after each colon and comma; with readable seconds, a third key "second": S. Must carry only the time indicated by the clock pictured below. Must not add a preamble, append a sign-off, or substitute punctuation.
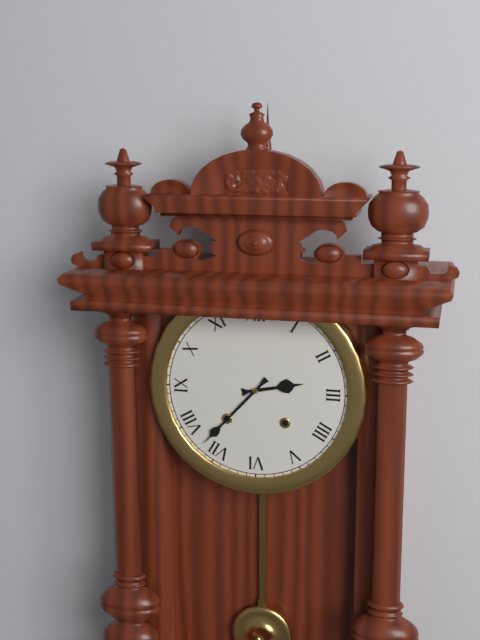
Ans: {"hour": 2, "minute": 37}
